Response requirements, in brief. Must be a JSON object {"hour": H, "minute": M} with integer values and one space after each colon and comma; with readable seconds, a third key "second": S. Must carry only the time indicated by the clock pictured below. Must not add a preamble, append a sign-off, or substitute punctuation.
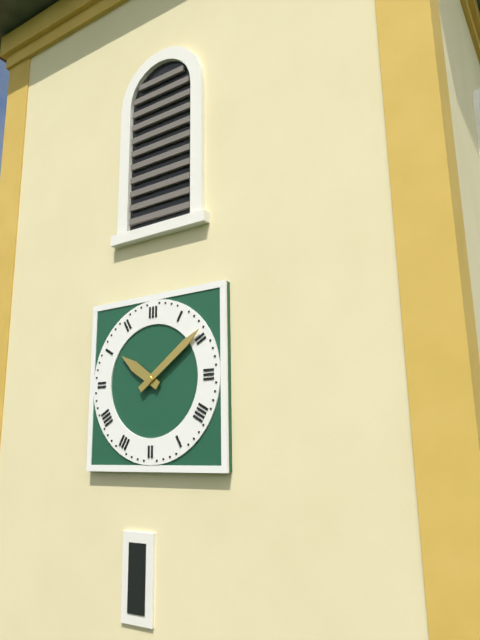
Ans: {"hour": 10, "minute": 9}
